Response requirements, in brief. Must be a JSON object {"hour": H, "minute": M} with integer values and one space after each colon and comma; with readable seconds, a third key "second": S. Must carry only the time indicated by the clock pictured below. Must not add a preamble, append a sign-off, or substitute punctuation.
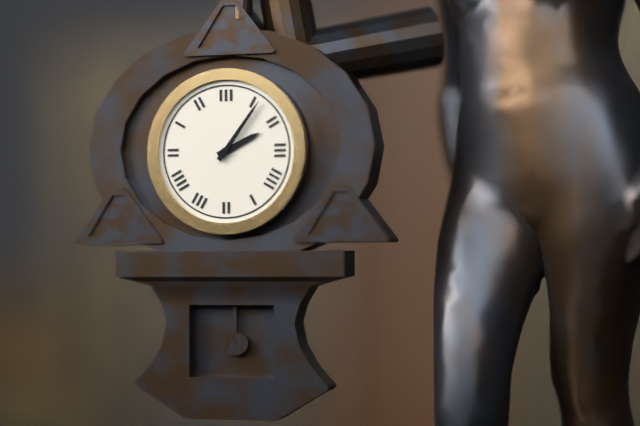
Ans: {"hour": 2, "minute": 6}
